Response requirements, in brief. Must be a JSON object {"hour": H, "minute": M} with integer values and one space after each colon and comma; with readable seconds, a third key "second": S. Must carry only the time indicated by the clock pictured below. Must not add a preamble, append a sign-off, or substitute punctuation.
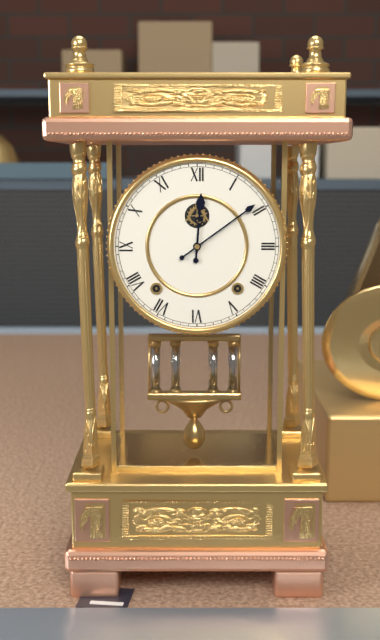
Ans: {"hour": 12, "minute": 9}
